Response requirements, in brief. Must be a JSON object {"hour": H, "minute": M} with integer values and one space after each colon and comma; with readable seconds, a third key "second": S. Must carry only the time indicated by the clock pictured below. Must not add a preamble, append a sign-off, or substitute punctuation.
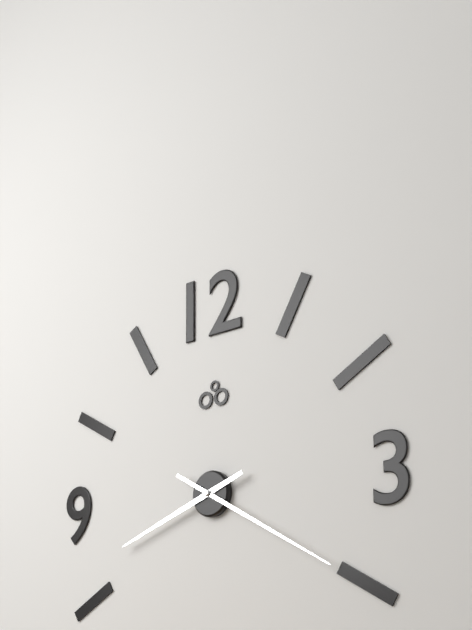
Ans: {"hour": 8, "minute": 20}
